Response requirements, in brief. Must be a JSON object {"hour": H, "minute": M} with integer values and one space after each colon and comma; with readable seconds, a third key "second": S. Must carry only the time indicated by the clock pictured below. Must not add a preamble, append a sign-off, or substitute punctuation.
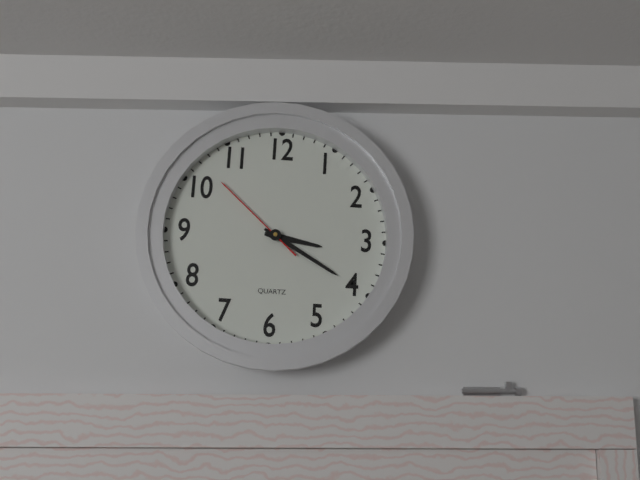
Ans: {"hour": 3, "minute": 20, "second": 52}
